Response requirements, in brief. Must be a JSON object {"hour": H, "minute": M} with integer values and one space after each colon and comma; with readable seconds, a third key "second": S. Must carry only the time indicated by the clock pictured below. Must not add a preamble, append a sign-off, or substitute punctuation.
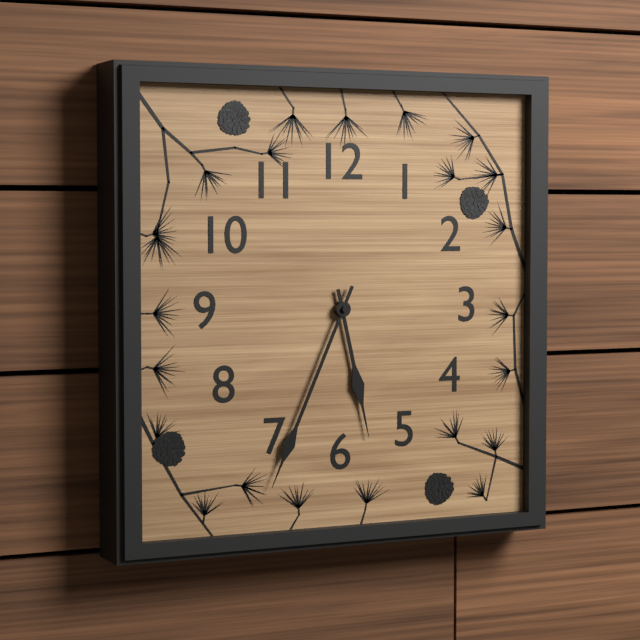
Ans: {"hour": 5, "minute": 34}
